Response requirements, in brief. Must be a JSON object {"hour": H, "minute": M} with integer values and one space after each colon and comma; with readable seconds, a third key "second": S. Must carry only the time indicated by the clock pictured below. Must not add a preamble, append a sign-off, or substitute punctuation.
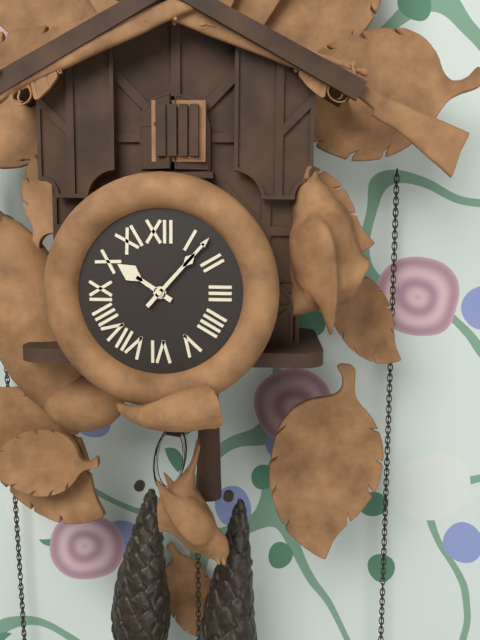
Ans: {"hour": 10, "minute": 7}
